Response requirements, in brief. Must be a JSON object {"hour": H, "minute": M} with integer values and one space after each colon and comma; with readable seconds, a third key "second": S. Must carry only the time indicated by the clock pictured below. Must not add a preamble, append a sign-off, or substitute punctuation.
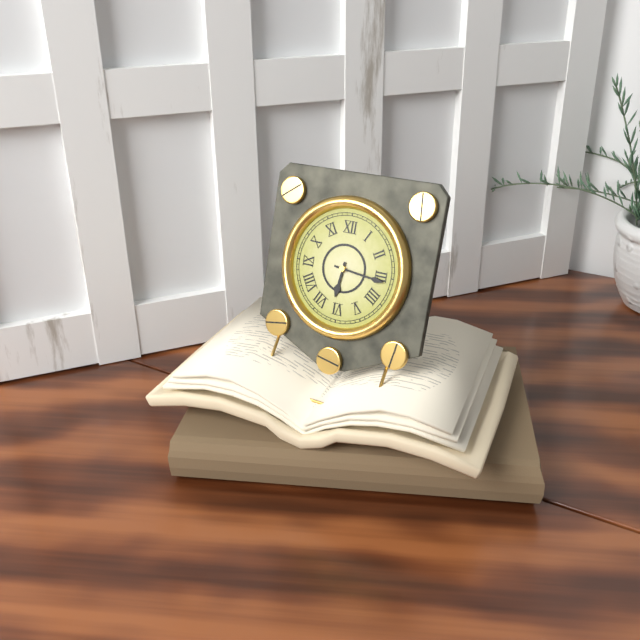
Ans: {"hour": 6, "minute": 16}
